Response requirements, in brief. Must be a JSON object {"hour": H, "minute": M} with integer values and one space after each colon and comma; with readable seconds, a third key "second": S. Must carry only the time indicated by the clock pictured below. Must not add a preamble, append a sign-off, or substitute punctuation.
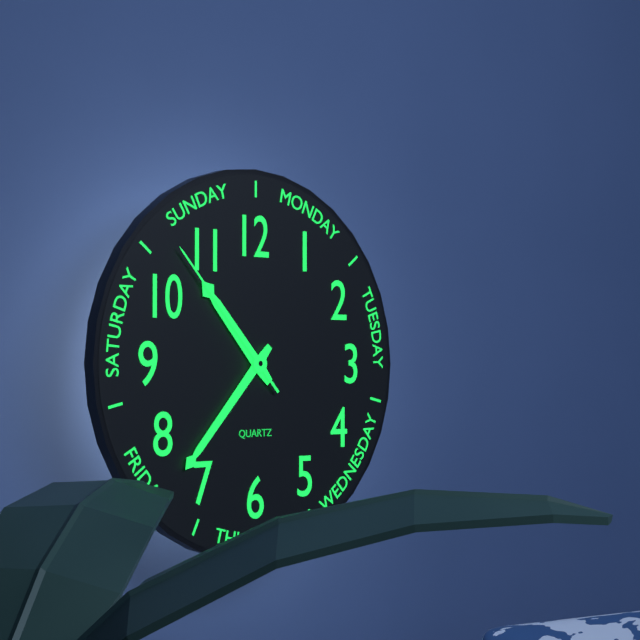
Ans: {"hour": 10, "minute": 37, "second": 53}
